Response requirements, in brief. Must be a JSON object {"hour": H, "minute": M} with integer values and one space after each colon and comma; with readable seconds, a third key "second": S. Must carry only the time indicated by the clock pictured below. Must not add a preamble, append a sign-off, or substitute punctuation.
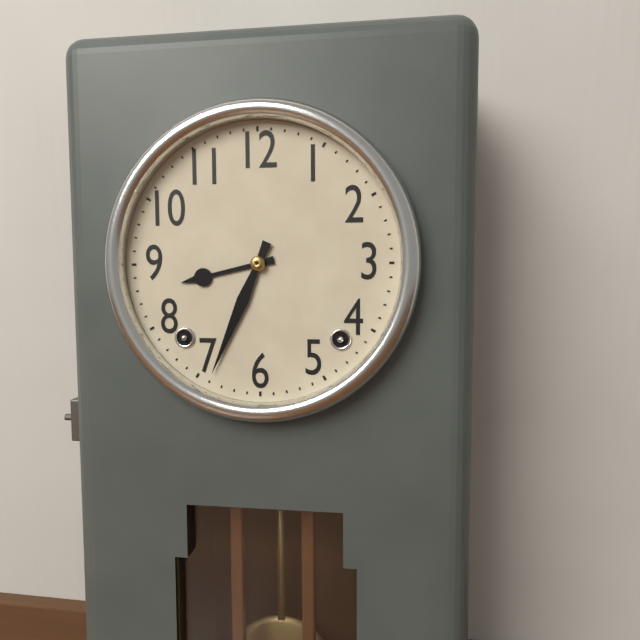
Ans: {"hour": 8, "minute": 34}
